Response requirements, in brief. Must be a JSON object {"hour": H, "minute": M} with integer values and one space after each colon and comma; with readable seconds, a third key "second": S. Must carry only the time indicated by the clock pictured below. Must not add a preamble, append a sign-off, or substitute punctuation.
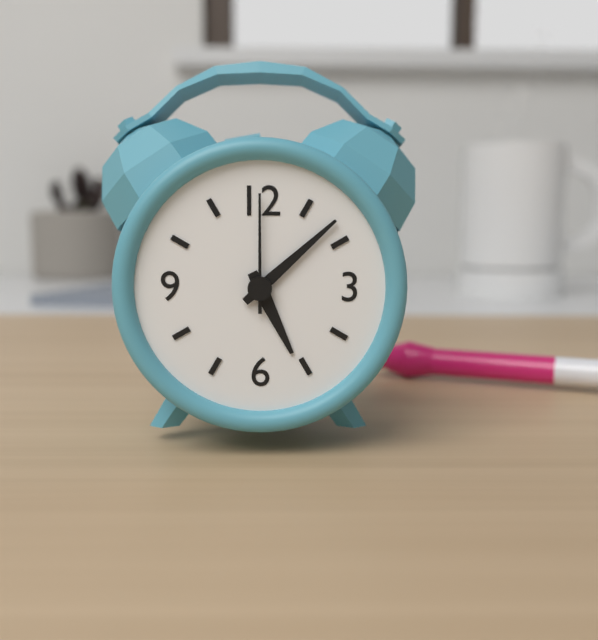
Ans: {"hour": 5, "minute": 8, "second": 0}
